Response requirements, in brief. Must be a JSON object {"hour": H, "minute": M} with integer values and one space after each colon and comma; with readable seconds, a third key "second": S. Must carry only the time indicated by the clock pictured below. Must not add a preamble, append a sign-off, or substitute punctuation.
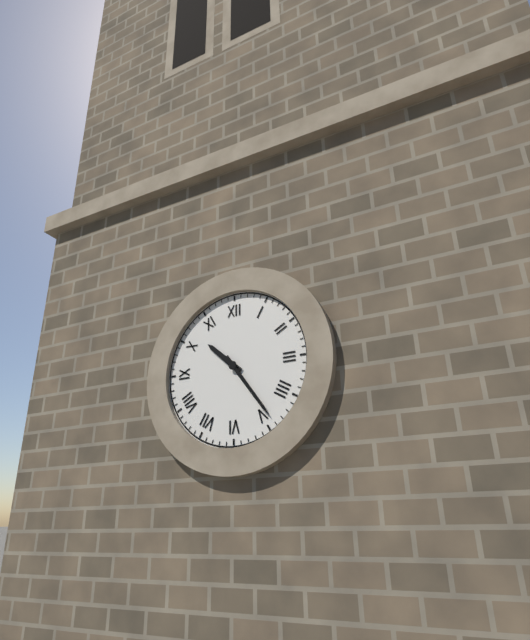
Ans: {"hour": 10, "minute": 24}
